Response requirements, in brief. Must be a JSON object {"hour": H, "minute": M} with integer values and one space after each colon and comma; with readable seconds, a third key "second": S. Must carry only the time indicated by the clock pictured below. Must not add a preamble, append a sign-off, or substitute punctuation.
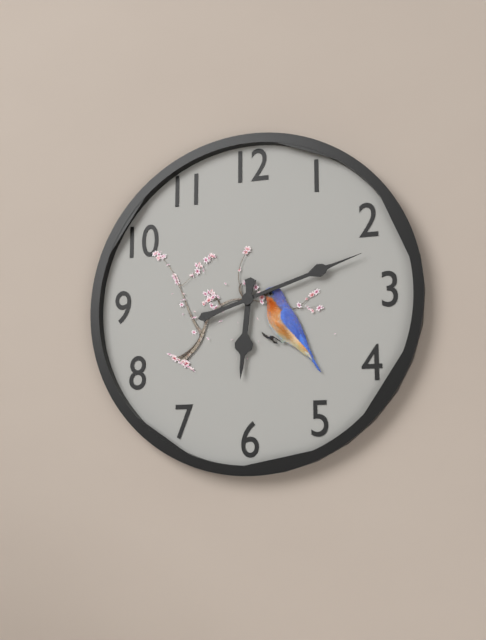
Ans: {"hour": 6, "minute": 12}
